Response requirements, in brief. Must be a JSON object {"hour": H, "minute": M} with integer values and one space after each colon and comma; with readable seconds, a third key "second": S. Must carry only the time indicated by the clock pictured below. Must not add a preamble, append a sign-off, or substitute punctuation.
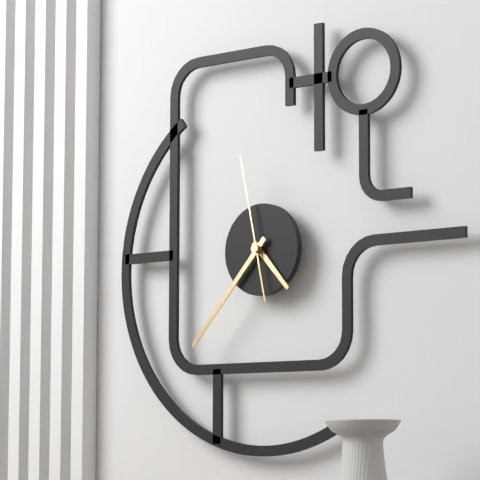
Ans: {"hour": 4, "minute": 37, "second": 58}
